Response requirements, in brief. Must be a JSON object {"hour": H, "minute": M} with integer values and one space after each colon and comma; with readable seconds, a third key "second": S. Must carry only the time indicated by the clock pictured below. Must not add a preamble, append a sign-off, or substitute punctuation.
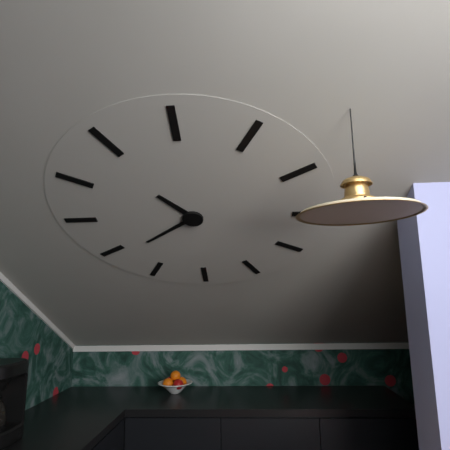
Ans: {"hour": 10, "minute": 39}
